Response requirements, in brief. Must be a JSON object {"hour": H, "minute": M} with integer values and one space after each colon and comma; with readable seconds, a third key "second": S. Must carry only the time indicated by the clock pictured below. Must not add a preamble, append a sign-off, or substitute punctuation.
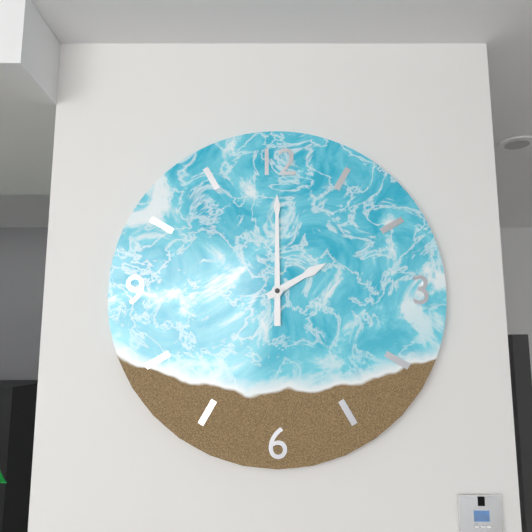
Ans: {"hour": 2, "minute": 0}
